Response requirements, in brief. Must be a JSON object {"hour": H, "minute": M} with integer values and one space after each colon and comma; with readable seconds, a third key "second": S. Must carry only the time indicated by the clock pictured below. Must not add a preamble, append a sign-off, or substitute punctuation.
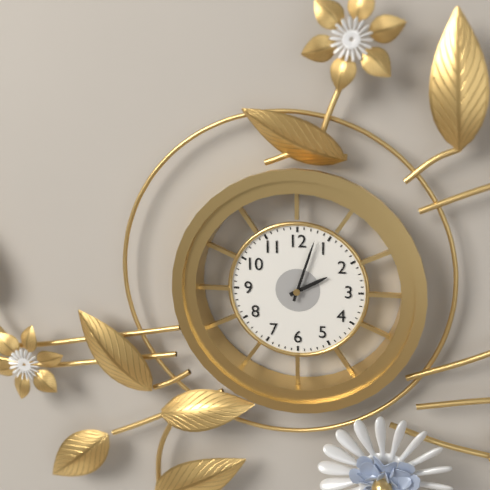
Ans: {"hour": 2, "minute": 3}
